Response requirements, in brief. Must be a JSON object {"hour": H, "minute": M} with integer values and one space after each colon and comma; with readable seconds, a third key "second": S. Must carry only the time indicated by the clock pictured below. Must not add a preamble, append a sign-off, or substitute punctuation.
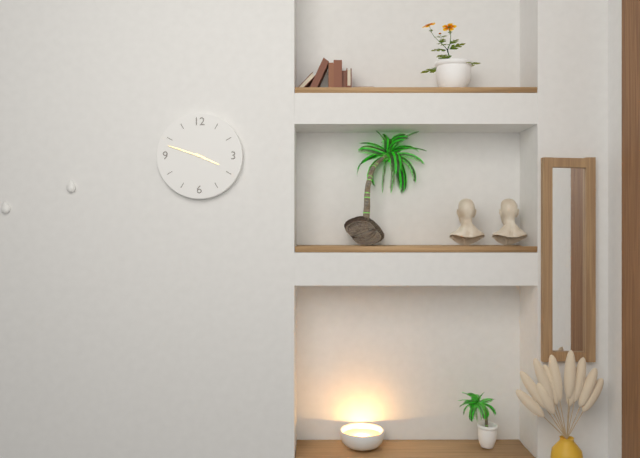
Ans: {"hour": 3, "minute": 48}
